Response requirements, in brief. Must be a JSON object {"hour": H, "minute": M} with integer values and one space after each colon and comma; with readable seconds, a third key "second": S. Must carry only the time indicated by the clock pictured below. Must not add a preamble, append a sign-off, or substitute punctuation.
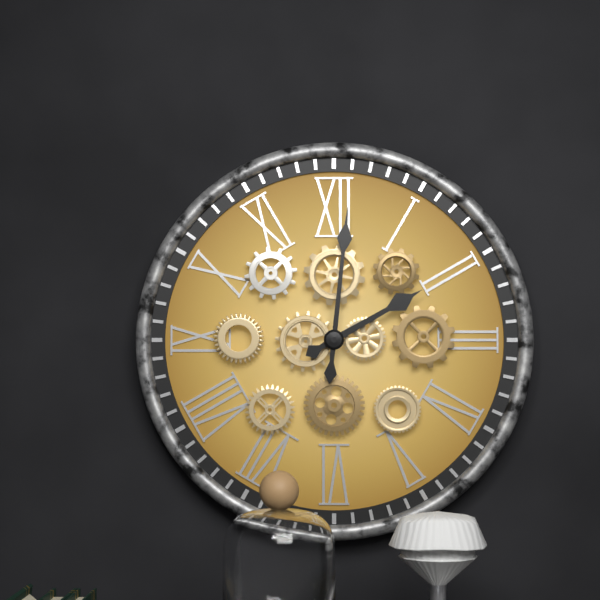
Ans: {"hour": 2, "minute": 1}
